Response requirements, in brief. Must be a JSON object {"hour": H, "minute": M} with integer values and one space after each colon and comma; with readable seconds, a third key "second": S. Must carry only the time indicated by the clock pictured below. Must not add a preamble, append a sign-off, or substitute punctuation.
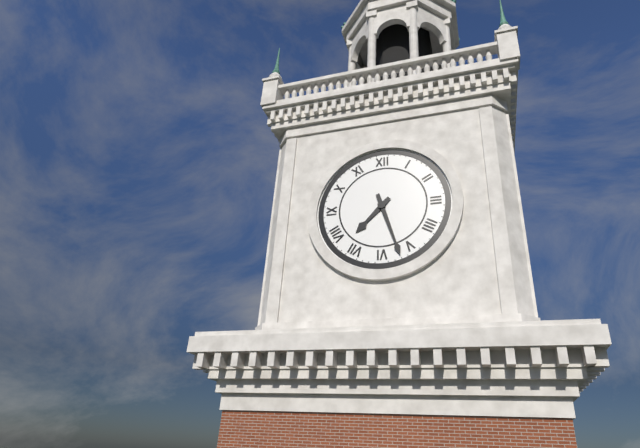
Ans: {"hour": 7, "minute": 27}
